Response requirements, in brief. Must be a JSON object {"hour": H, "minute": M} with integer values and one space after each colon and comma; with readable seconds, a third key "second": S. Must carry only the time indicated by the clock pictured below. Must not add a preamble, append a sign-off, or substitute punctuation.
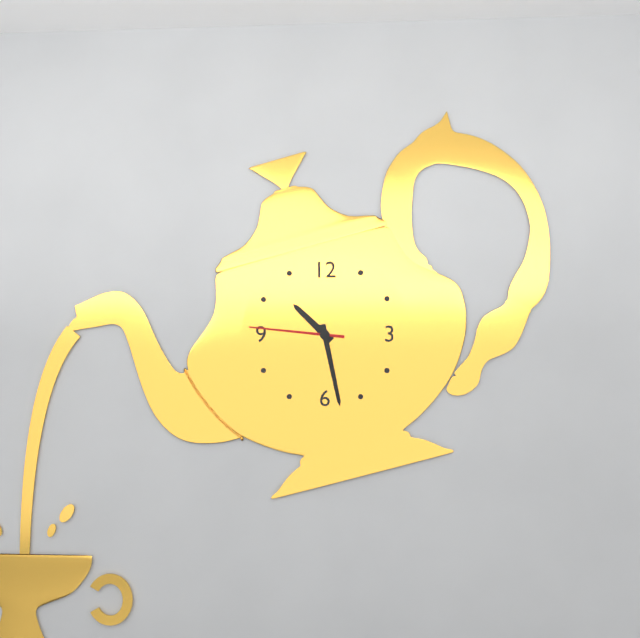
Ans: {"hour": 10, "minute": 28, "second": 46}
